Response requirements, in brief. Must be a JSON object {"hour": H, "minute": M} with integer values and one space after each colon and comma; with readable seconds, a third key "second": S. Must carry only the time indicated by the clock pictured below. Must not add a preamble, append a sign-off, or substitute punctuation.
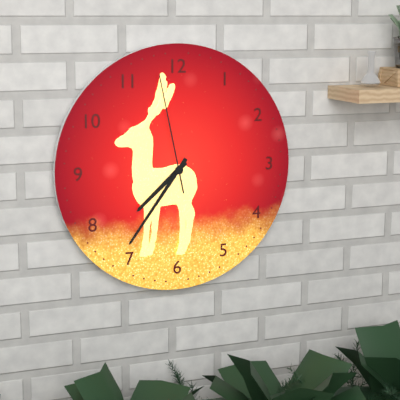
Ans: {"hour": 7, "minute": 36, "second": 58}
